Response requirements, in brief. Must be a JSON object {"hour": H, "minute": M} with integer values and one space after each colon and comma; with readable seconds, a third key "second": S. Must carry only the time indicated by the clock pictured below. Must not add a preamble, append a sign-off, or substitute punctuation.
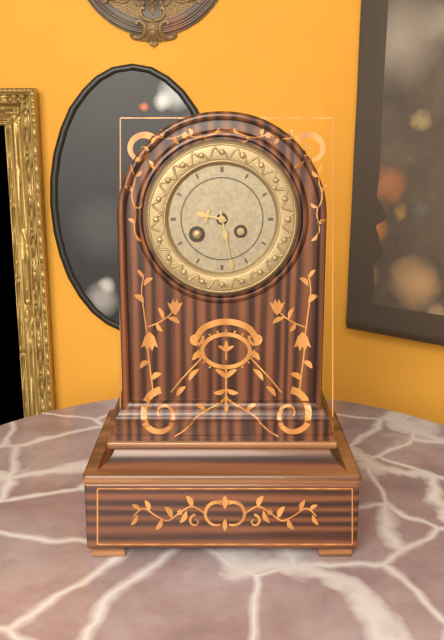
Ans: {"hour": 9, "minute": 28}
